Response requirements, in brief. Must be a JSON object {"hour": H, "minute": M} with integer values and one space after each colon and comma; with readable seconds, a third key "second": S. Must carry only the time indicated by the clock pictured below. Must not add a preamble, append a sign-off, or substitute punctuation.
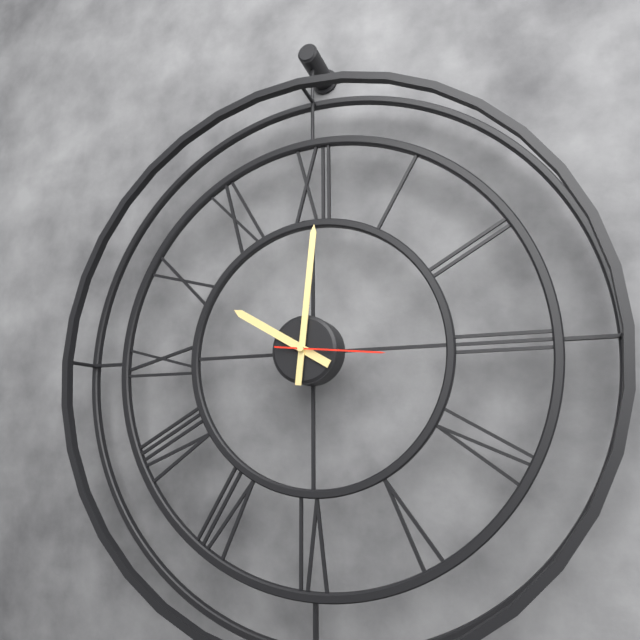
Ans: {"hour": 10, "minute": 1, "second": 16}
